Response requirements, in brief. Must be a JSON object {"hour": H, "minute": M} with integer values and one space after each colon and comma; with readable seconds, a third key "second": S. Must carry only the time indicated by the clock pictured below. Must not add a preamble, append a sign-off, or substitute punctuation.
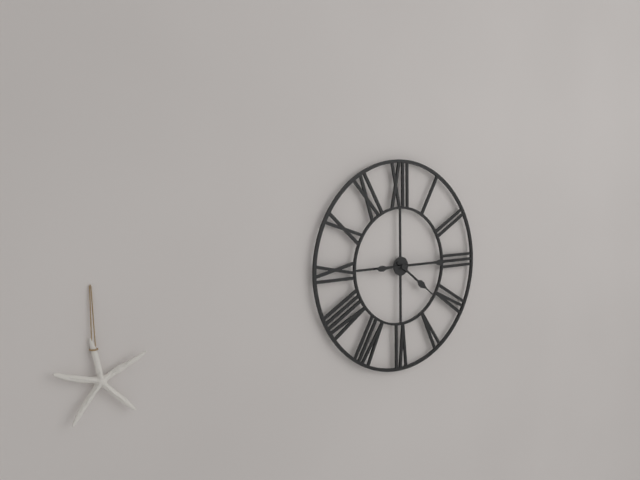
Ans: {"hour": 4, "minute": 15}
